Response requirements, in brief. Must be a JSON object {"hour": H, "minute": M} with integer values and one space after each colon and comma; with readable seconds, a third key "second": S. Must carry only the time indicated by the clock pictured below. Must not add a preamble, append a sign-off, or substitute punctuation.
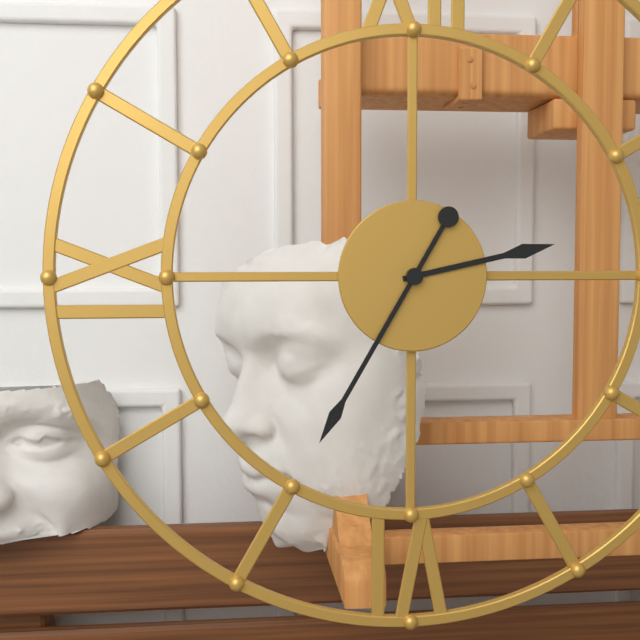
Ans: {"hour": 2, "minute": 35}
